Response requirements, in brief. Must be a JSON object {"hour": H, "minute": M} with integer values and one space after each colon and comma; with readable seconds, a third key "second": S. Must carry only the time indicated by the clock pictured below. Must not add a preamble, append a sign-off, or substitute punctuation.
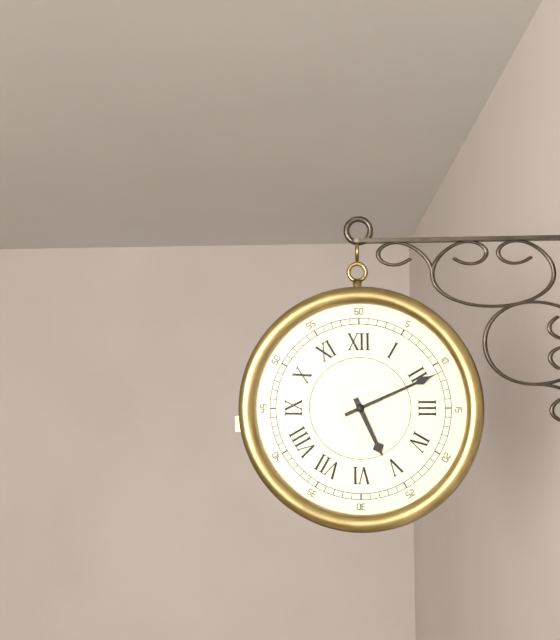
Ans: {"hour": 5, "minute": 11}
